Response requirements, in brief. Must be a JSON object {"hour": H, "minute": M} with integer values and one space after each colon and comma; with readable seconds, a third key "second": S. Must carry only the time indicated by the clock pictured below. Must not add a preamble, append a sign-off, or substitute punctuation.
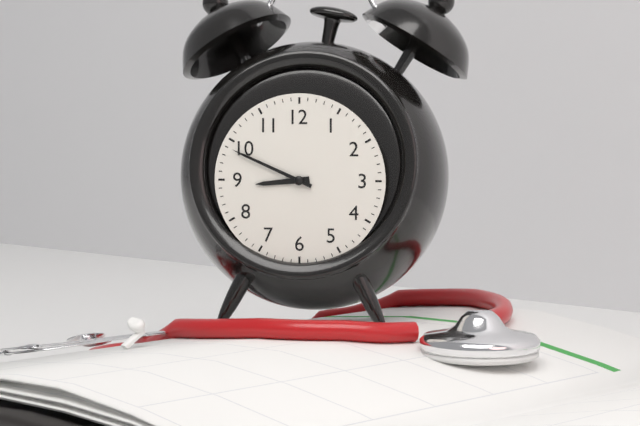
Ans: {"hour": 8, "minute": 49}
